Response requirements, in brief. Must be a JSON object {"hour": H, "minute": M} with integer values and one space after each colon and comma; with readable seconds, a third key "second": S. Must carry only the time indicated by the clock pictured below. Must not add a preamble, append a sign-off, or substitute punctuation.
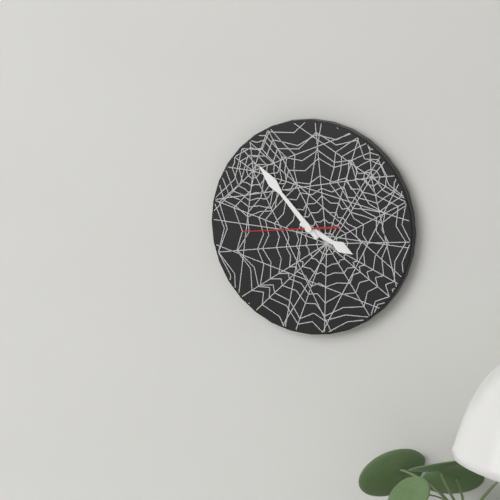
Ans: {"hour": 3, "minute": 53, "second": 44}
